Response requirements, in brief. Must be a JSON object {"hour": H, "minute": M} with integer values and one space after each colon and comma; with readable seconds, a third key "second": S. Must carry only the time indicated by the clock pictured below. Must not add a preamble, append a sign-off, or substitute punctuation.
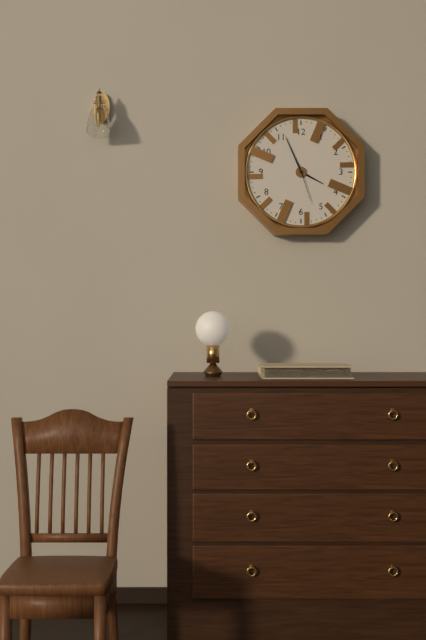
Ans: {"hour": 3, "minute": 56}
